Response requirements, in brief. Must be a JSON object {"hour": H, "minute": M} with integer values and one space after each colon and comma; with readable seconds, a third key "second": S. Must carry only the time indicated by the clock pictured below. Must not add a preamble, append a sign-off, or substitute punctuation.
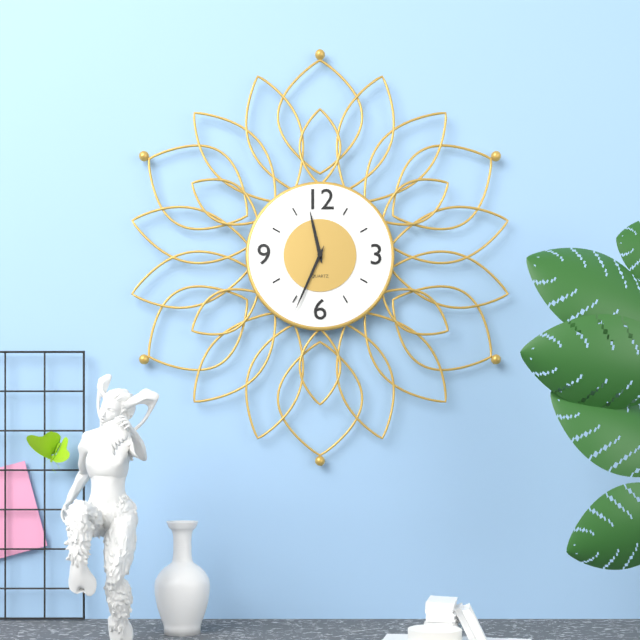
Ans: {"hour": 11, "minute": 34}
